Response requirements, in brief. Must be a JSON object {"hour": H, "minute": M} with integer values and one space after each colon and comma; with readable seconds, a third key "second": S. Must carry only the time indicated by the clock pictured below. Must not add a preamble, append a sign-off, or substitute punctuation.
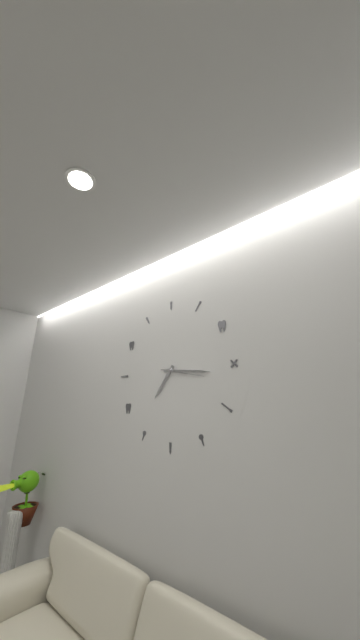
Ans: {"hour": 7, "minute": 16}
